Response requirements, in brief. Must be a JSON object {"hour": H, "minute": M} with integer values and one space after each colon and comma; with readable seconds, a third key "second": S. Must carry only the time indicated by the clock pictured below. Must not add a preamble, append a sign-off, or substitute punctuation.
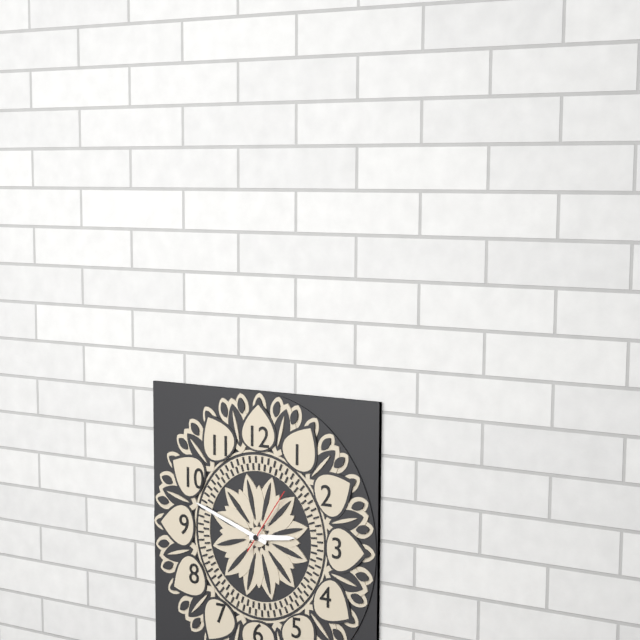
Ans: {"hour": 2, "minute": 48, "second": 6}
